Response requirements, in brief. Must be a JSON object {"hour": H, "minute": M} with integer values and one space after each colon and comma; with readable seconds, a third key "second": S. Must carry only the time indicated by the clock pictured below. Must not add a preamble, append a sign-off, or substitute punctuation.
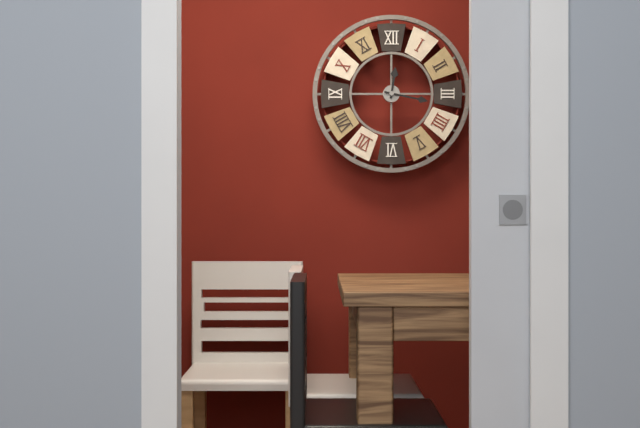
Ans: {"hour": 12, "minute": 17}
